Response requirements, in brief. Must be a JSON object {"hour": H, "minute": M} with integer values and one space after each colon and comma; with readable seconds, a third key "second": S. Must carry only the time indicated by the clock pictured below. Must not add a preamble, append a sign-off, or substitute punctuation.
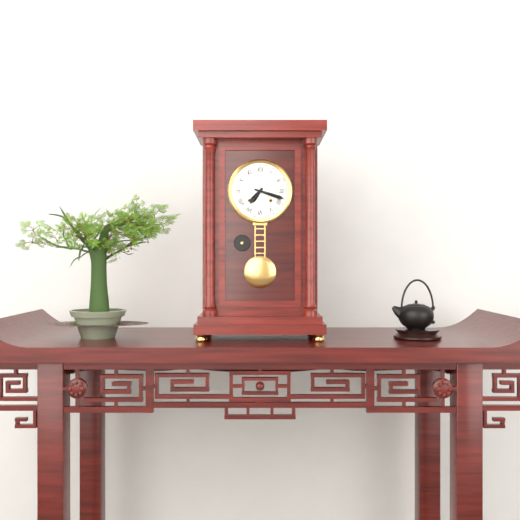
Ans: {"hour": 7, "minute": 18}
